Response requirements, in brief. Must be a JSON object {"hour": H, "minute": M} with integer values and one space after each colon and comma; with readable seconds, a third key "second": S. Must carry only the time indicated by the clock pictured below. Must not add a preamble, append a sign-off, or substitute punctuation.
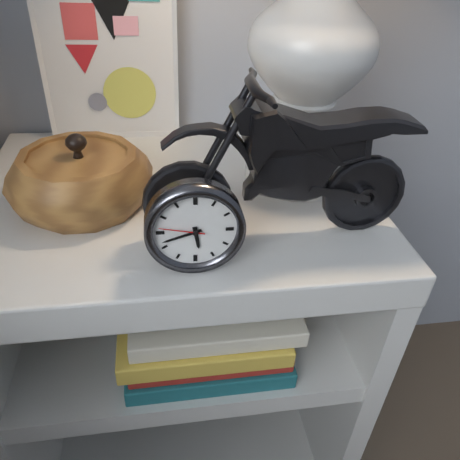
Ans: {"hour": 5, "minute": 42}
